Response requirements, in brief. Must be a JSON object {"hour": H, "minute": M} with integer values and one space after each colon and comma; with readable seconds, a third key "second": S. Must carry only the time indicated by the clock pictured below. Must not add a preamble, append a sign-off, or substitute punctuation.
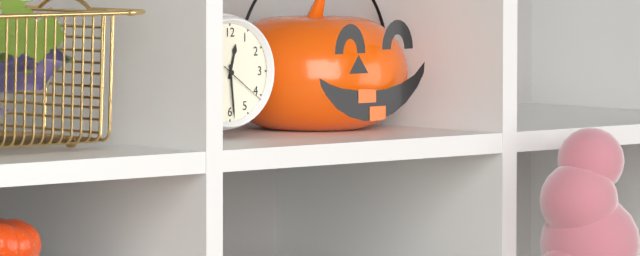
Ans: {"hour": 12, "minute": 29, "second": 21}
